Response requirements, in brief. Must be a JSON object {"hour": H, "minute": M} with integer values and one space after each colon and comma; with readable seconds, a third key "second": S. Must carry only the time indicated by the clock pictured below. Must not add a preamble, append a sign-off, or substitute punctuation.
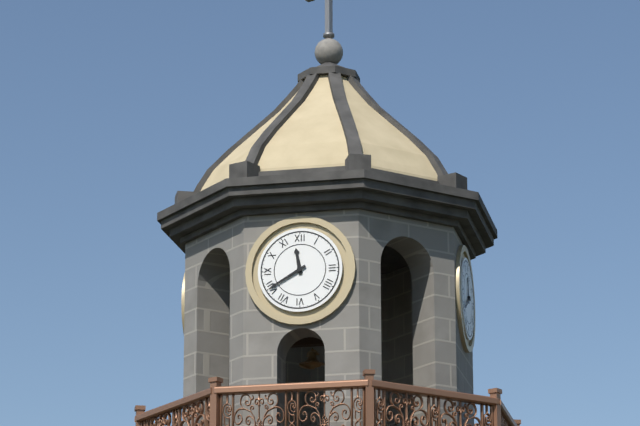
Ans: {"hour": 11, "minute": 40}
